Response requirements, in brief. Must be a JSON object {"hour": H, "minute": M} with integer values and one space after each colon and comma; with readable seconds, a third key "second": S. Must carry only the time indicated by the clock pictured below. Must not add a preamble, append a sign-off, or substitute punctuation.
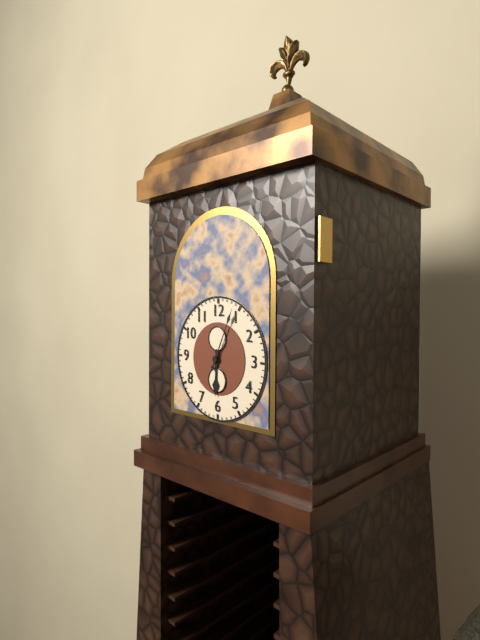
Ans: {"hour": 6, "minute": 4}
